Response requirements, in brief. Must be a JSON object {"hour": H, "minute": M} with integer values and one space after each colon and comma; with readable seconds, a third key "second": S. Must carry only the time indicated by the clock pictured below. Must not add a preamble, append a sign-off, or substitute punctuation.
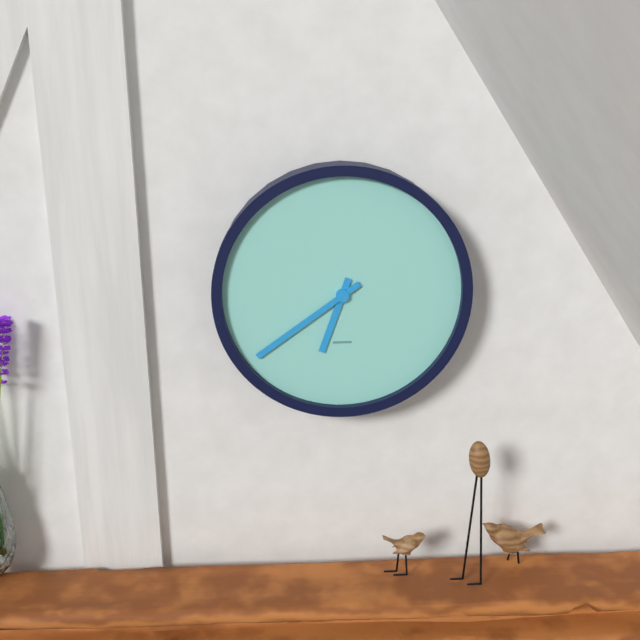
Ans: {"hour": 6, "minute": 39}
